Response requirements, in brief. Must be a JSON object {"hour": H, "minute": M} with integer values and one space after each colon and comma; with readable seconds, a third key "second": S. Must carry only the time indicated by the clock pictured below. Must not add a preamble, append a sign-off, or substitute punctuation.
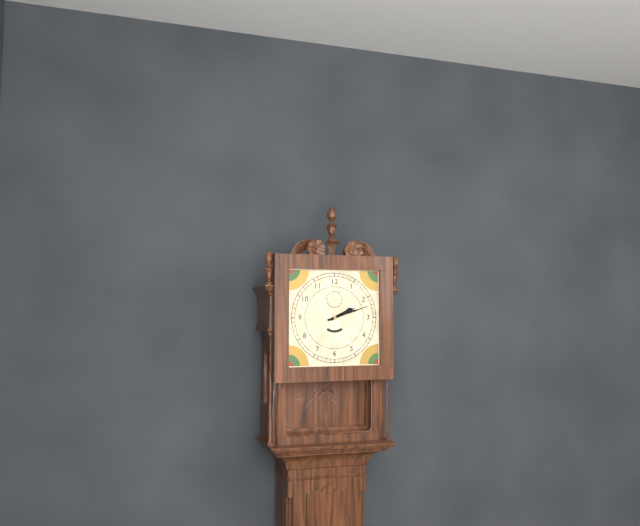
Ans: {"hour": 2, "minute": 12}
